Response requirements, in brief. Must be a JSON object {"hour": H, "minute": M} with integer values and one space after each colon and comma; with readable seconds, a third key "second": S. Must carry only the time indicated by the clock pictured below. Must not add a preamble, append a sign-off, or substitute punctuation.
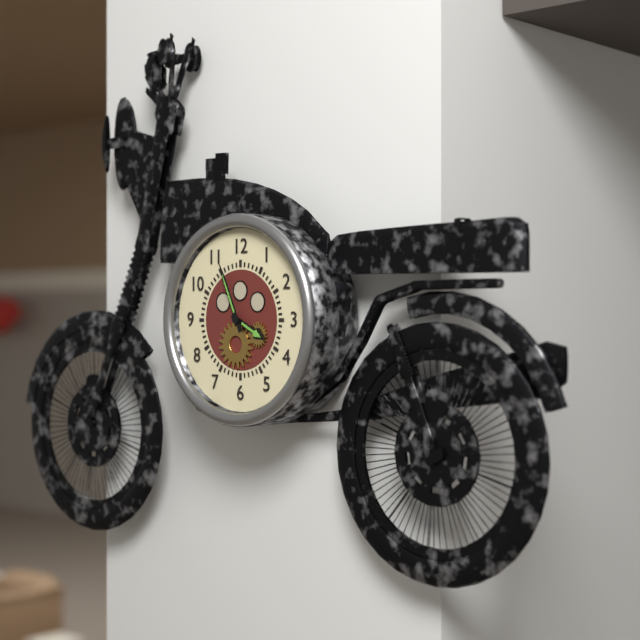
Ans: {"hour": 3, "minute": 56}
